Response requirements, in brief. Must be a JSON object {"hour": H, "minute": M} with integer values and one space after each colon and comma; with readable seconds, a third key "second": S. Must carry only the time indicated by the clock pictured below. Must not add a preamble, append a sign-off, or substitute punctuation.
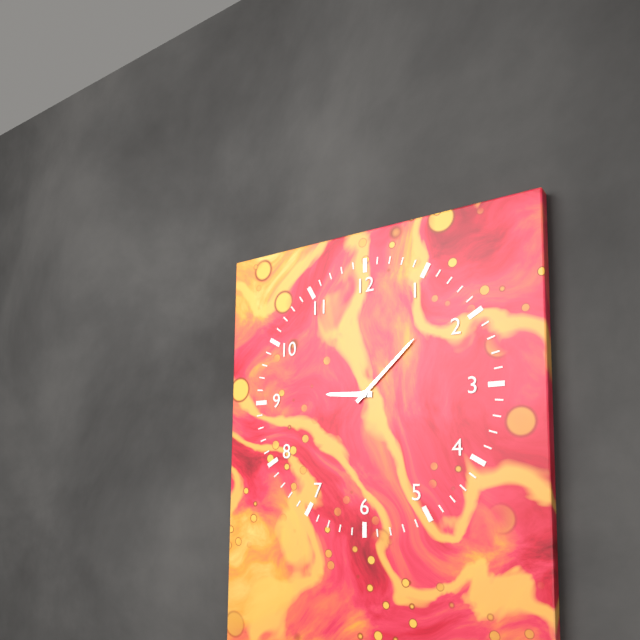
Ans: {"hour": 9, "minute": 8}
